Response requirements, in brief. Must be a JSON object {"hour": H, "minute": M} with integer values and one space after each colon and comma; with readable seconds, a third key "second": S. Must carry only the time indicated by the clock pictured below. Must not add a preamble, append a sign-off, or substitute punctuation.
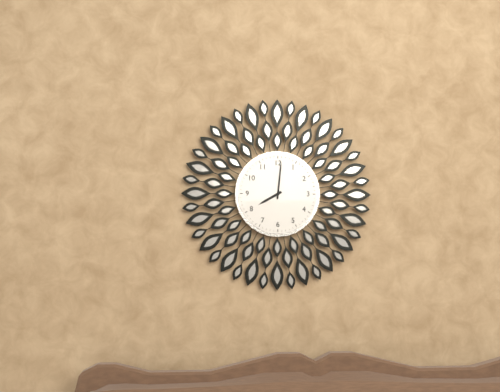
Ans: {"hour": 8, "minute": 1}
